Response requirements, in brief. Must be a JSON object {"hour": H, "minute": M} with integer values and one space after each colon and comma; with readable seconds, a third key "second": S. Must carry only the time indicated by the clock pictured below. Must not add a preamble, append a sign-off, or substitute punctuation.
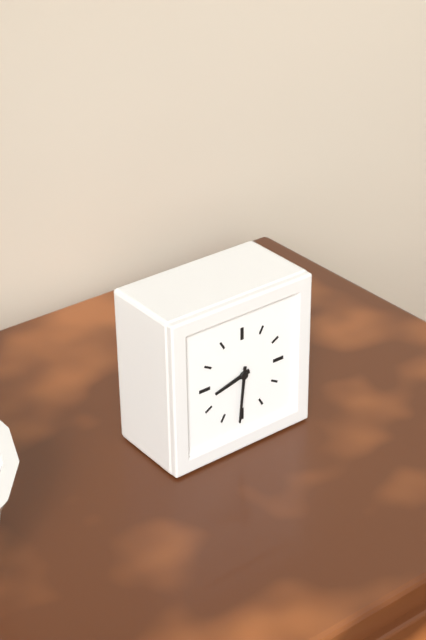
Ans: {"hour": 8, "minute": 31}
